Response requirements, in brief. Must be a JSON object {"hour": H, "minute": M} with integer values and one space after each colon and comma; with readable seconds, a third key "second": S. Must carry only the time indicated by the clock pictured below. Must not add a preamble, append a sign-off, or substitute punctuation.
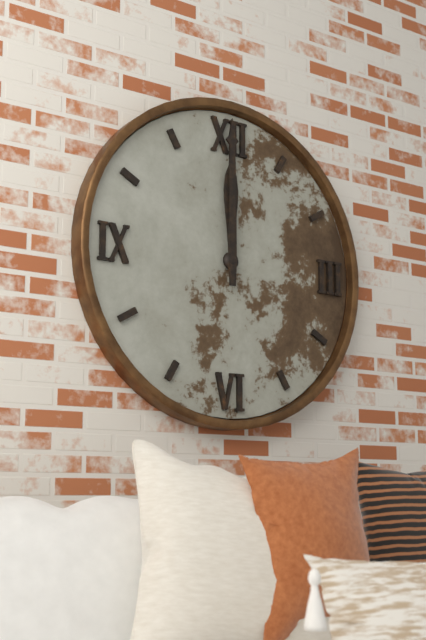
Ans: {"hour": 12, "minute": 0}
